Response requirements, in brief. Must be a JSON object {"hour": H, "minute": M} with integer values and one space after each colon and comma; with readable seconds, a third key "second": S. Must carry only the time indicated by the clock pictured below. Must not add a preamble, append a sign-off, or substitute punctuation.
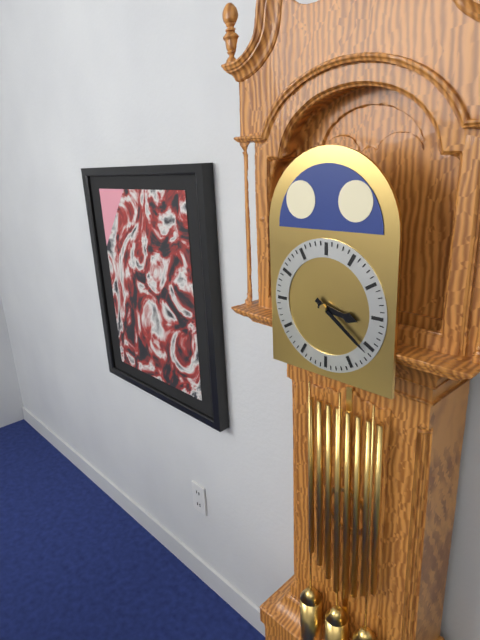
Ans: {"hour": 3, "minute": 21}
